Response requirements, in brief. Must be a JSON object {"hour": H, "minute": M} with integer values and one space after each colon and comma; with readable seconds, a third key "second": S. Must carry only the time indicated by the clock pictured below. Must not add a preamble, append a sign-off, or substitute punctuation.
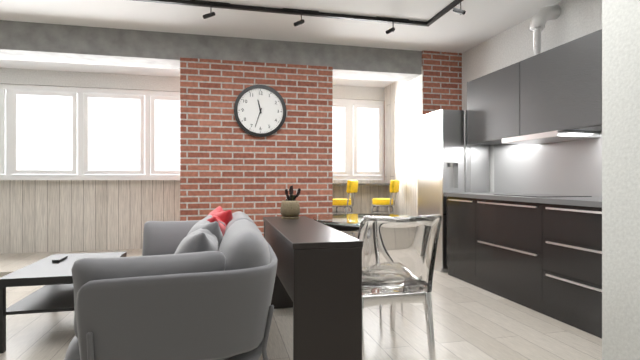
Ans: {"hour": 11, "minute": 33}
